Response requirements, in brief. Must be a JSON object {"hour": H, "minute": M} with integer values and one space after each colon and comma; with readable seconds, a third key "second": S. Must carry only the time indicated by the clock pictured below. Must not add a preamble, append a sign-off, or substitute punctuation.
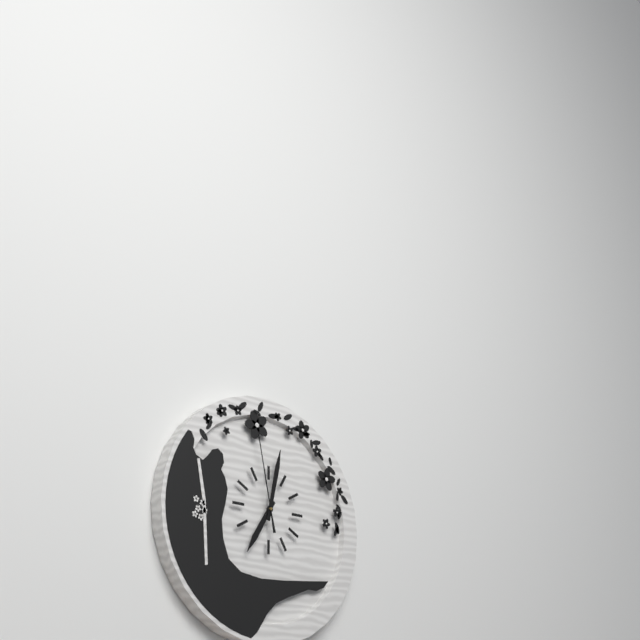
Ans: {"hour": 7, "minute": 2, "second": 58}
